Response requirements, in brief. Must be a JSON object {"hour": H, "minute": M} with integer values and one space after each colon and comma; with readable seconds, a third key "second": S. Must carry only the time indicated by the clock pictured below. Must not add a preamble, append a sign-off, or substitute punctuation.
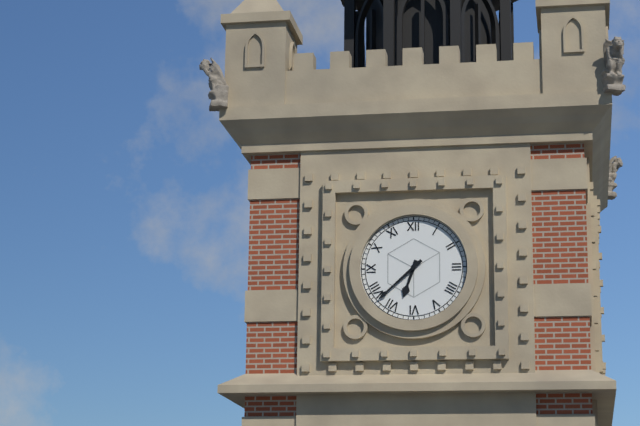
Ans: {"hour": 6, "minute": 38}
